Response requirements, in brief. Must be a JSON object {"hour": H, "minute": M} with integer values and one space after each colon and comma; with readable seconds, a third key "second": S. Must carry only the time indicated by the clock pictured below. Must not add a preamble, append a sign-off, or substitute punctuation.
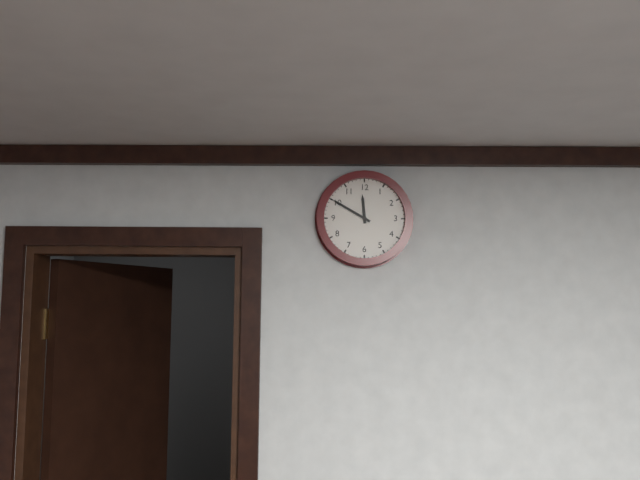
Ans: {"hour": 11, "minute": 50}
